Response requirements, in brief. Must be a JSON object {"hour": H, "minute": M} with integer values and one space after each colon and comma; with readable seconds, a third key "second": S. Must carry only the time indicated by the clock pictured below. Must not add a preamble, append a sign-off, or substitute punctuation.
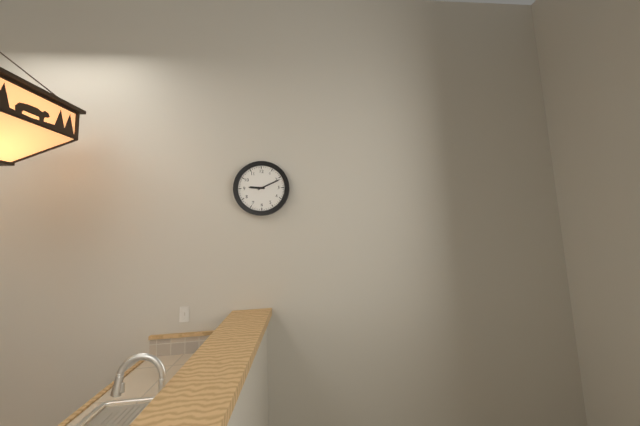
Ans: {"hour": 9, "minute": 11}
